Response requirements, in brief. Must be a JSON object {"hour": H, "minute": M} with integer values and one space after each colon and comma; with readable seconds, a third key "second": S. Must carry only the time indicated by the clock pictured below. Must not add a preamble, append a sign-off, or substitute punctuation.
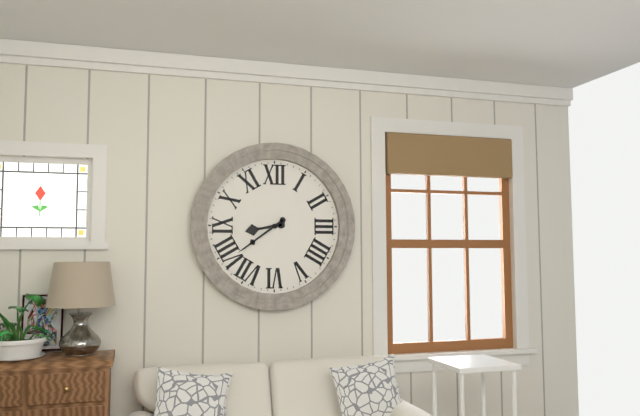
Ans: {"hour": 8, "minute": 39}
